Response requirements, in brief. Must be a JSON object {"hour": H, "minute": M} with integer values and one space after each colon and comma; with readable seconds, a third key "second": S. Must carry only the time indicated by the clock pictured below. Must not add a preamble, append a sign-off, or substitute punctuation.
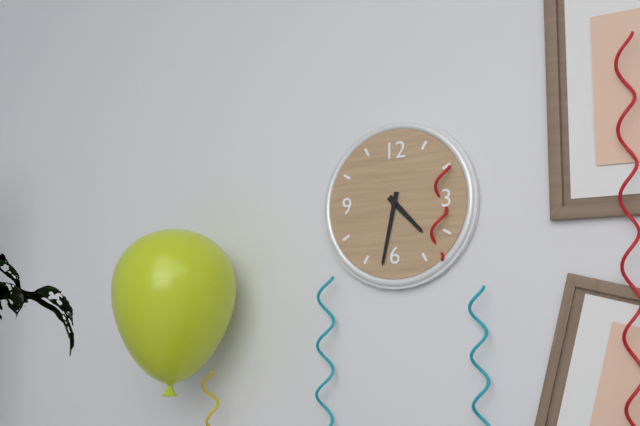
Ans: {"hour": 4, "minute": 32}
